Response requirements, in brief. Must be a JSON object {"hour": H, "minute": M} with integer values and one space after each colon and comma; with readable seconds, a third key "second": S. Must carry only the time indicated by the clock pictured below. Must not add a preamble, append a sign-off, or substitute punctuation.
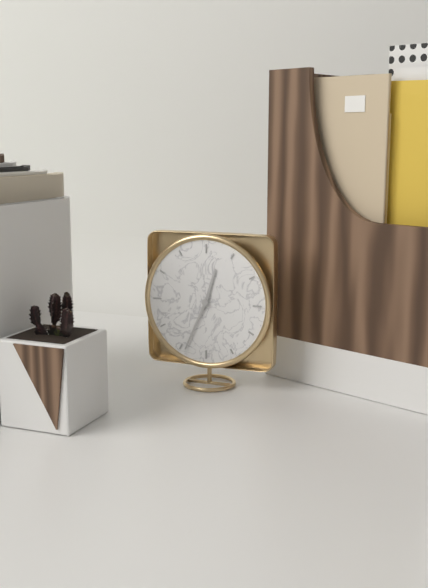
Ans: {"hour": 12, "minute": 34}
